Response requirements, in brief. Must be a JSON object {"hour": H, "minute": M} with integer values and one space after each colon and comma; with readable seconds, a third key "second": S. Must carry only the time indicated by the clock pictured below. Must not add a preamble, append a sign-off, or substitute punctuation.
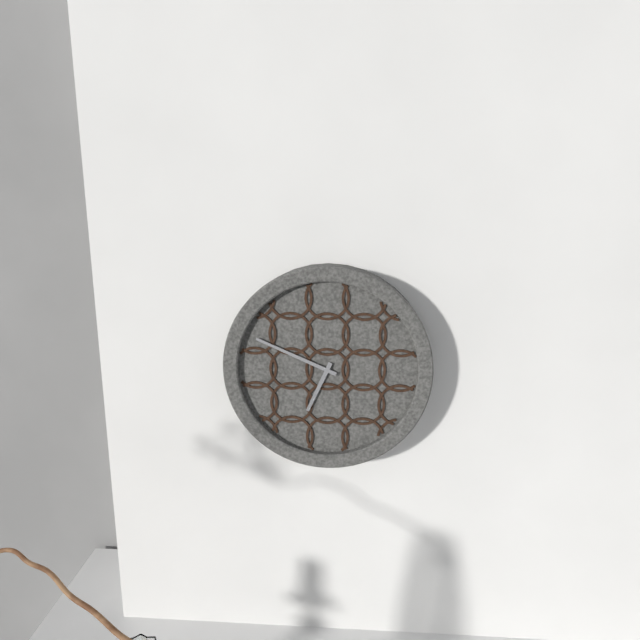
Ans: {"hour": 6, "minute": 49}
